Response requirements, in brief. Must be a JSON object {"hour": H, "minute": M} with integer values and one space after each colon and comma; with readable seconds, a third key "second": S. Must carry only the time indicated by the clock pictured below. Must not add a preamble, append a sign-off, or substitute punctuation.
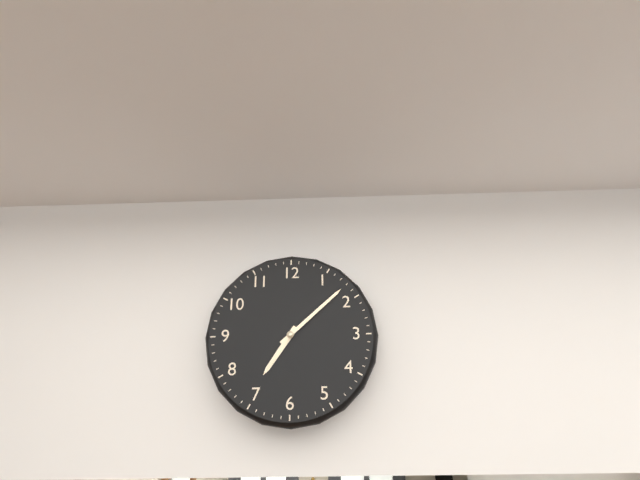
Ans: {"hour": 7, "minute": 8}
